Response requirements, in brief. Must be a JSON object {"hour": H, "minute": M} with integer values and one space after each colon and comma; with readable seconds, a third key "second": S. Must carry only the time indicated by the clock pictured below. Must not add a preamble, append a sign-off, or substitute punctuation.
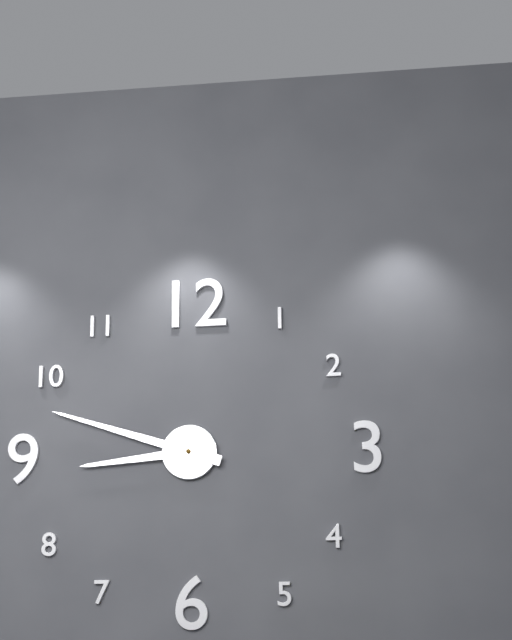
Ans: {"hour": 8, "minute": 48}
